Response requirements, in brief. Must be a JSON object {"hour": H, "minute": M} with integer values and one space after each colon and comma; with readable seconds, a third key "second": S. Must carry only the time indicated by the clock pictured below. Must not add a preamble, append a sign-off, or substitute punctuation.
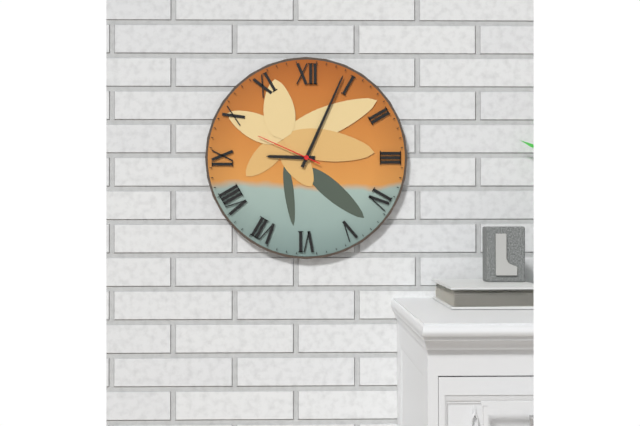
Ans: {"hour": 9, "minute": 4, "second": 49}
